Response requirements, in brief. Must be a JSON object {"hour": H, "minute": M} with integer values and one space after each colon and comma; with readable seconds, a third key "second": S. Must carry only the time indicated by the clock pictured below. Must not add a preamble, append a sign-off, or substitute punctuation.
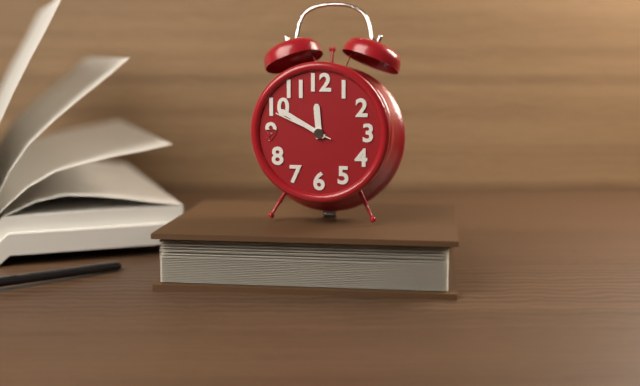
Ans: {"hour": 11, "minute": 50, "second": 49}
